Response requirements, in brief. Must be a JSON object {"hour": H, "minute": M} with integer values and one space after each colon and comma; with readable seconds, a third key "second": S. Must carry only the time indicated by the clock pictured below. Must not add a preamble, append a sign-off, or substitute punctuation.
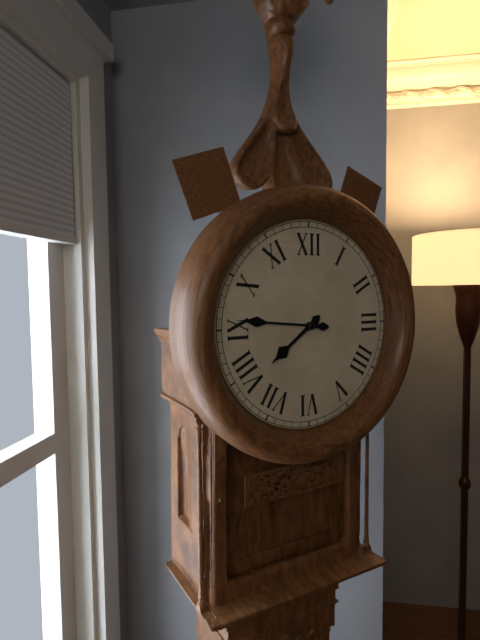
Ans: {"hour": 7, "minute": 46}
